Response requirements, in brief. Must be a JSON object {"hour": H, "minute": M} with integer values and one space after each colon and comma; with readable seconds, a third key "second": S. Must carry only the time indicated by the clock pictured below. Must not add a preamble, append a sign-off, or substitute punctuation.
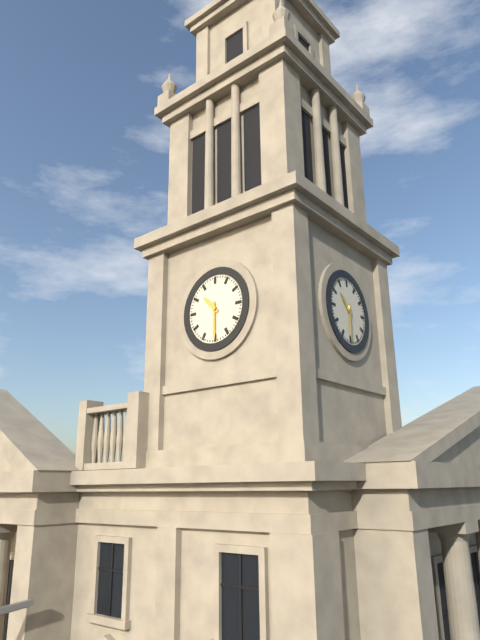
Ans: {"hour": 10, "minute": 30}
